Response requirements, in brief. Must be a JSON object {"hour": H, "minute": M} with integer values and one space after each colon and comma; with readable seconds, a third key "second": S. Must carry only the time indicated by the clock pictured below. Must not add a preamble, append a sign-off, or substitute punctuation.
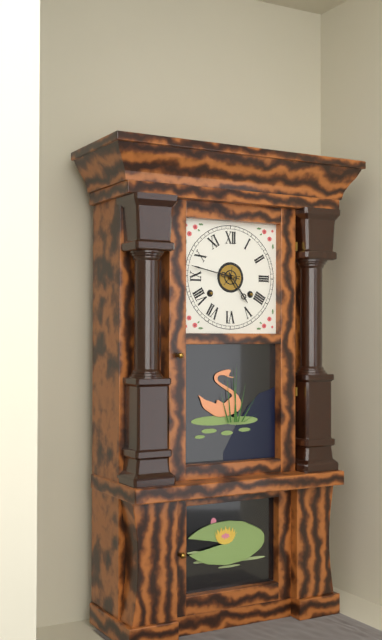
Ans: {"hour": 4, "minute": 47}
